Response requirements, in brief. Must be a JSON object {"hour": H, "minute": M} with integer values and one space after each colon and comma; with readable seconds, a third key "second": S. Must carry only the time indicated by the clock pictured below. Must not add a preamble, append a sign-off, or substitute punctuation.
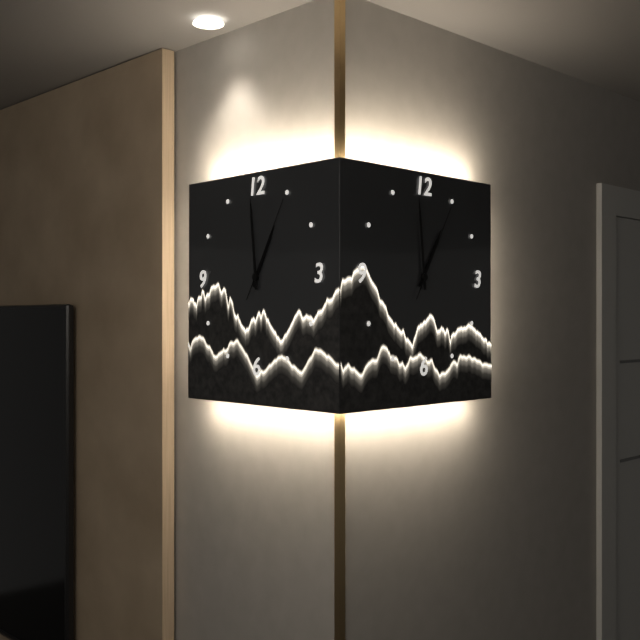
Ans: {"hour": 12, "minute": 59, "second": 5}
